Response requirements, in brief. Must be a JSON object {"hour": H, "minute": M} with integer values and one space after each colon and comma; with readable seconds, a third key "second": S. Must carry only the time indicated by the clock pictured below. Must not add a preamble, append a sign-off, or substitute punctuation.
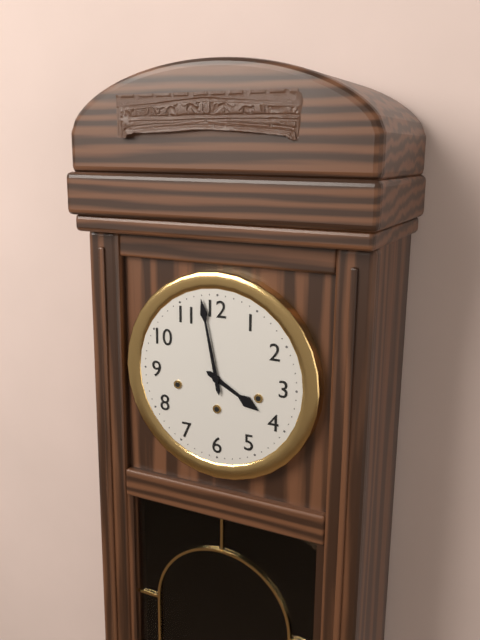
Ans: {"hour": 3, "minute": 58}
